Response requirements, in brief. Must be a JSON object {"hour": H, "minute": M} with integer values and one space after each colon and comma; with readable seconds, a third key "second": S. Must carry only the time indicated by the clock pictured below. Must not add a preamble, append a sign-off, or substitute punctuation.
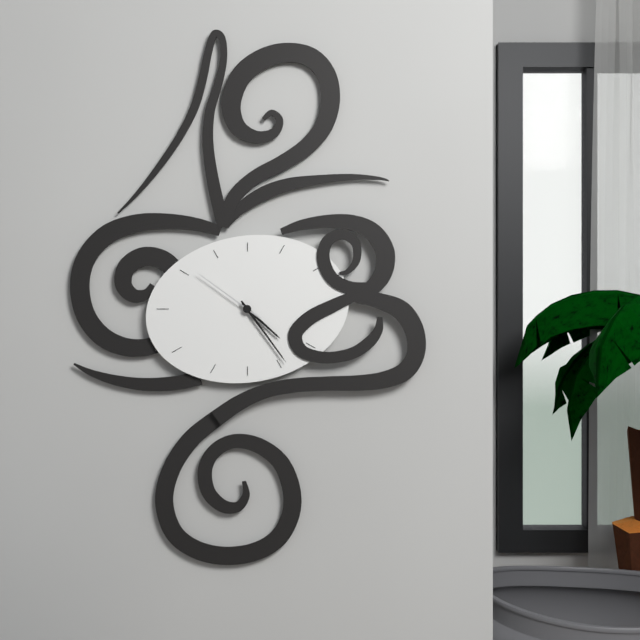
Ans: {"hour": 4, "minute": 24, "second": 51}
